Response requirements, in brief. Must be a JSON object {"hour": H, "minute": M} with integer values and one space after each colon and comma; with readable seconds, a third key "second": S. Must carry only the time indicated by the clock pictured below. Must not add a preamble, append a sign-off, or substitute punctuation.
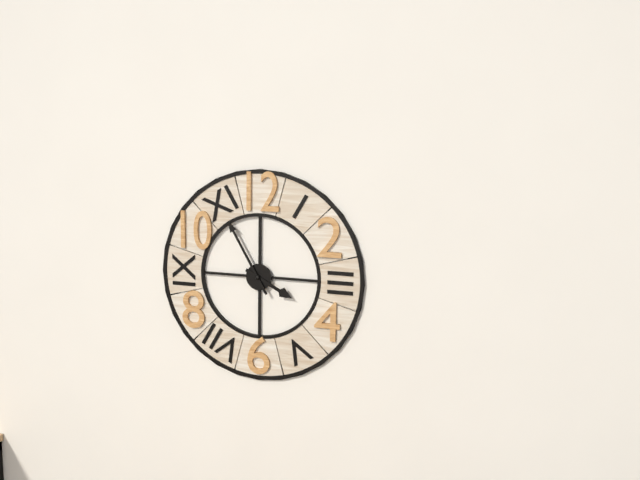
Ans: {"hour": 3, "minute": 55}
